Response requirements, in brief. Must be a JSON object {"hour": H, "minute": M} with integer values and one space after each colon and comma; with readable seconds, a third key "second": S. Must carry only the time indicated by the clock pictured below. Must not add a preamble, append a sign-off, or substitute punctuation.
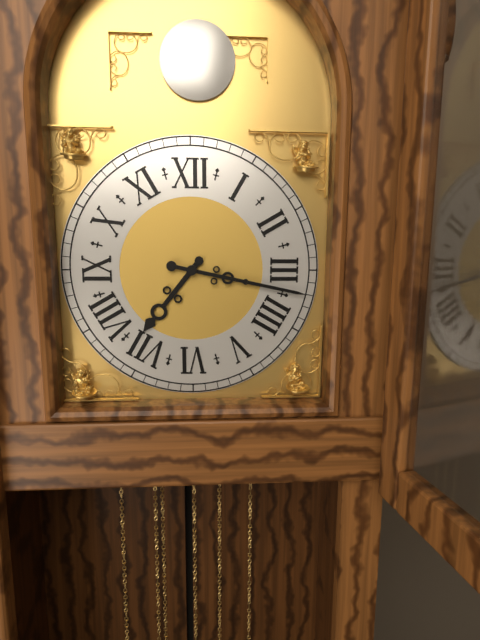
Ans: {"hour": 7, "minute": 17}
